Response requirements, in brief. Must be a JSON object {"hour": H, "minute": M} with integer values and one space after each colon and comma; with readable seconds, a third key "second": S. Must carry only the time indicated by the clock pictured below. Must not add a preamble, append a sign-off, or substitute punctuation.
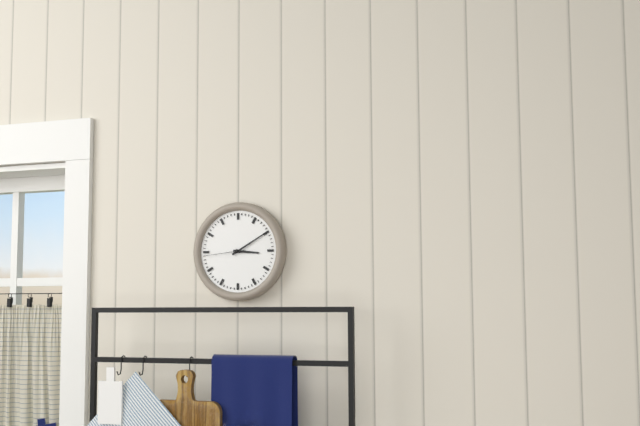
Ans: {"hour": 3, "minute": 10}
